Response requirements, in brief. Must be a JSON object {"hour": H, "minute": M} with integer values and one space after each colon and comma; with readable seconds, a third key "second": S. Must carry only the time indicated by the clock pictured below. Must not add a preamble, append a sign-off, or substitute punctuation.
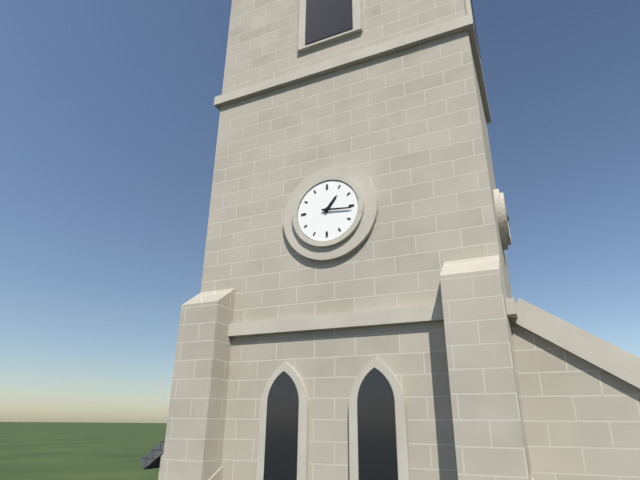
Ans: {"hour": 1, "minute": 16}
